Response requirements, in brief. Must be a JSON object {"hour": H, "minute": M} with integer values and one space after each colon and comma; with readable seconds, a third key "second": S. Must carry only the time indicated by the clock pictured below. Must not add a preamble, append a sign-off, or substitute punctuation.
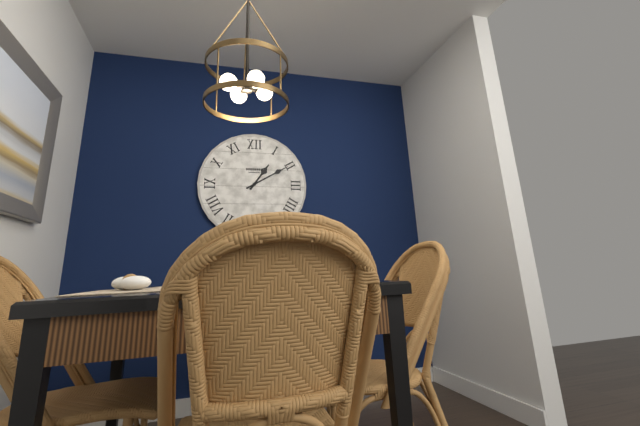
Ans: {"hour": 1, "minute": 10}
